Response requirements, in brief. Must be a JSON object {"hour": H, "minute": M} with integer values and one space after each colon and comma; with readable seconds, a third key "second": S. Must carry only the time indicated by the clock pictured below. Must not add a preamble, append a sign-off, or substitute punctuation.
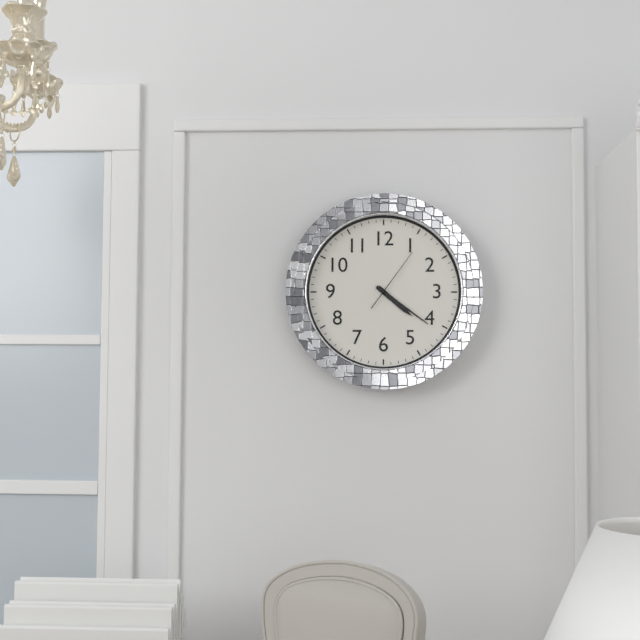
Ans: {"hour": 4, "minute": 21, "second": 6}
